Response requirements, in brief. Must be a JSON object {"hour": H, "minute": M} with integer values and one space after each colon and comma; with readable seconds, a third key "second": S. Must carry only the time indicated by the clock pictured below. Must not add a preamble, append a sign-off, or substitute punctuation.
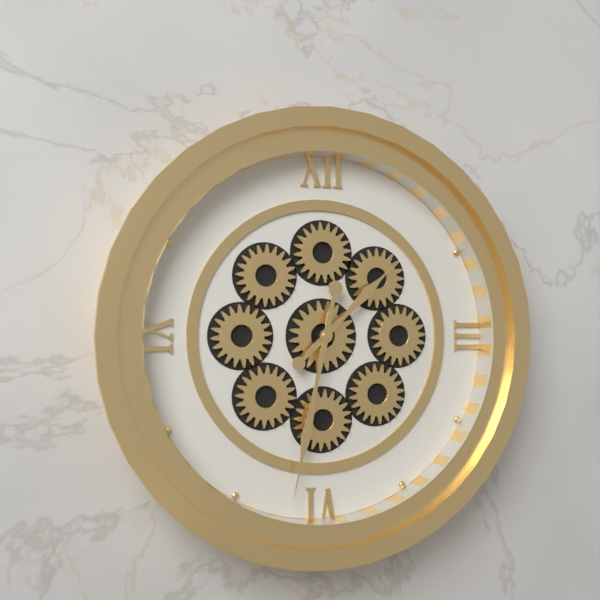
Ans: {"hour": 1, "minute": 32}
